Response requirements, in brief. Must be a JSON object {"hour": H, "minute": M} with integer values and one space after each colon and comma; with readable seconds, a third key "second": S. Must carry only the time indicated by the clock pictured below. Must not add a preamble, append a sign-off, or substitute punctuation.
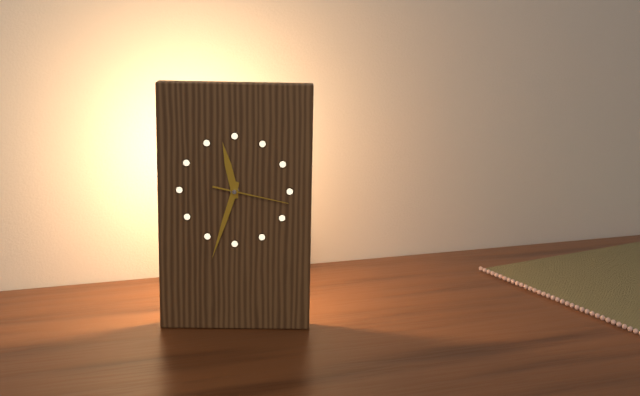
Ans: {"hour": 11, "minute": 33, "second": 17}
